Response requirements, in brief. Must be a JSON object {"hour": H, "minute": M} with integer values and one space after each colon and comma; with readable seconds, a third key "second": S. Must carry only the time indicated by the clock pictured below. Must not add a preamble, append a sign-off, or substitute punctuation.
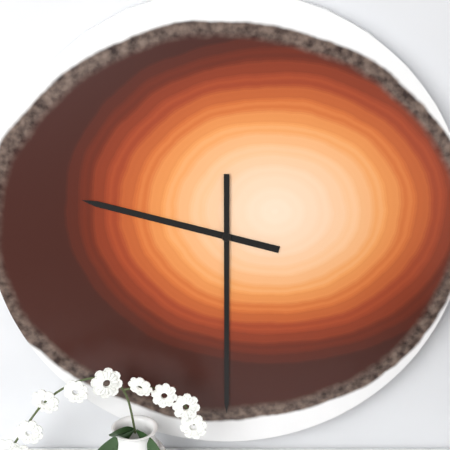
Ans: {"hour": 9, "minute": 30}
